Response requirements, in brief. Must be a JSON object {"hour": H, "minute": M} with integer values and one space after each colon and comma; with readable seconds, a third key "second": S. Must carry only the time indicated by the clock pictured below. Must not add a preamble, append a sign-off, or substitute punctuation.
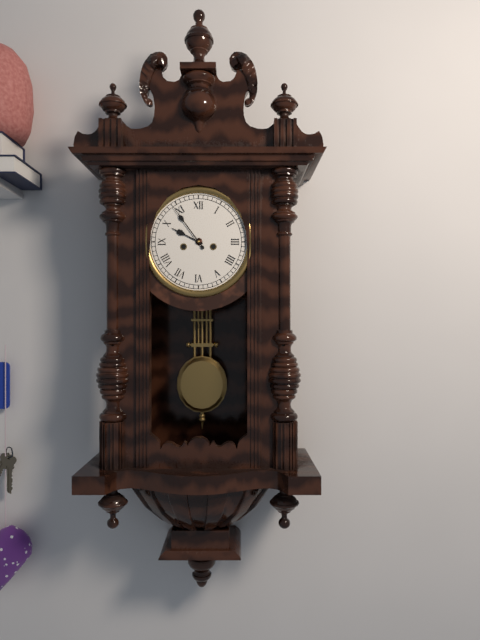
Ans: {"hour": 9, "minute": 54}
